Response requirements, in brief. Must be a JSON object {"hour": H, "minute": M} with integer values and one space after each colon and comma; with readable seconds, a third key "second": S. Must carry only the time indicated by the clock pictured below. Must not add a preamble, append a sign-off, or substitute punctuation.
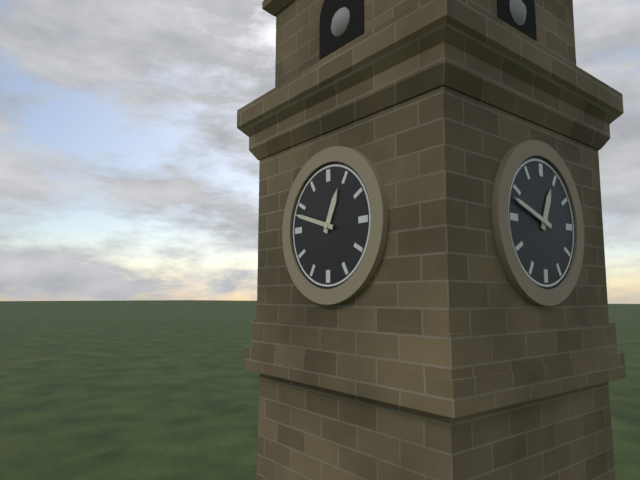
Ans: {"hour": 12, "minute": 48}
